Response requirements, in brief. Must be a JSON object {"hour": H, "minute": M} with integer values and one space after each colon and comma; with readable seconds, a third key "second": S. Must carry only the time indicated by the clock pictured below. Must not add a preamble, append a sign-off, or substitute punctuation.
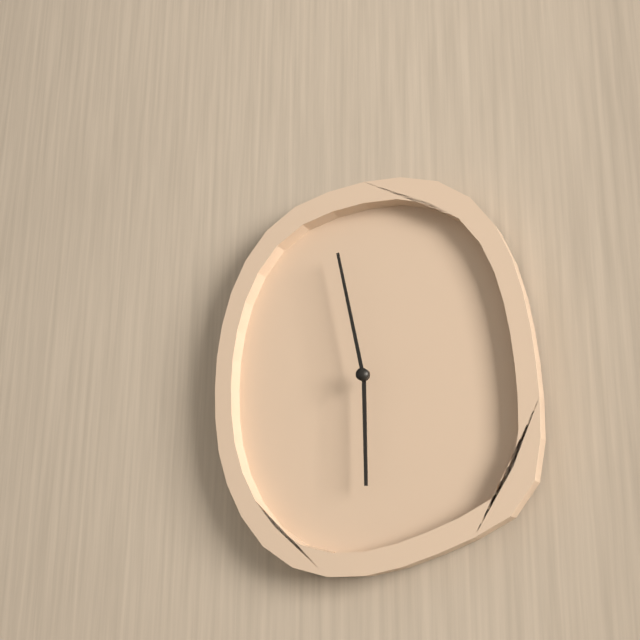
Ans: {"hour": 5, "minute": 58}
